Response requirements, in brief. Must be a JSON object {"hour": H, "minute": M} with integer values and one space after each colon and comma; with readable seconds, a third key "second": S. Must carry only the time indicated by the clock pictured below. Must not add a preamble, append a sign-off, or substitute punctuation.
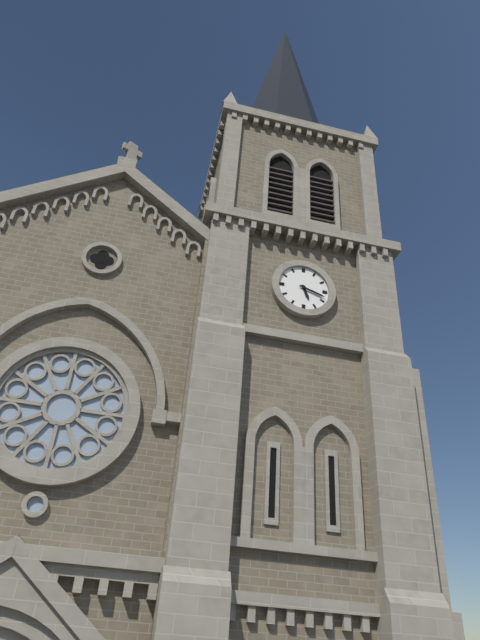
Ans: {"hour": 5, "minute": 18}
